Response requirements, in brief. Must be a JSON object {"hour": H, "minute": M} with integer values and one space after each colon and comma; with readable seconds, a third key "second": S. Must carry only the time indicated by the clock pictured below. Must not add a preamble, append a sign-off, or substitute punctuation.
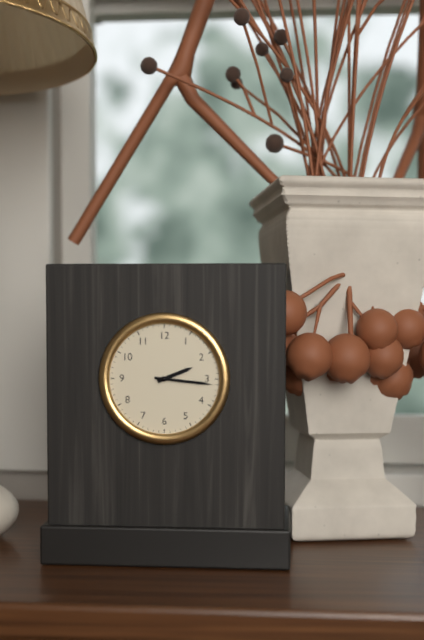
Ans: {"hour": 2, "minute": 16}
